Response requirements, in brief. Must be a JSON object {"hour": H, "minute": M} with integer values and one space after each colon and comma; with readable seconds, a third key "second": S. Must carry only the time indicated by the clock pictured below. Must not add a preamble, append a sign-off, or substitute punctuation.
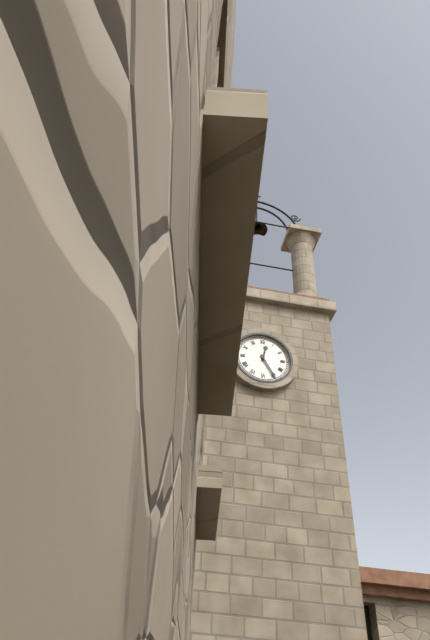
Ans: {"hour": 12, "minute": 25}
